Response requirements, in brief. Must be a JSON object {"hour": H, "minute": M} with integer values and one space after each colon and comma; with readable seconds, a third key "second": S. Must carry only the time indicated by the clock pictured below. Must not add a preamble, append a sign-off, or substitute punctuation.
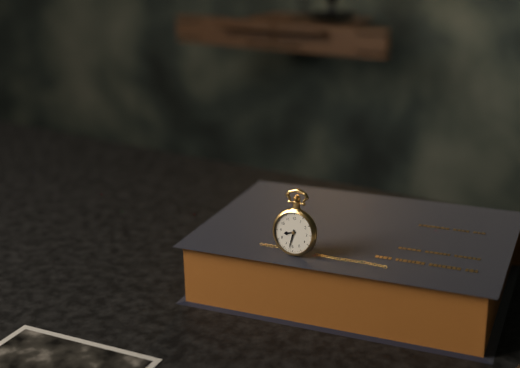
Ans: {"hour": 8, "minute": 32}
